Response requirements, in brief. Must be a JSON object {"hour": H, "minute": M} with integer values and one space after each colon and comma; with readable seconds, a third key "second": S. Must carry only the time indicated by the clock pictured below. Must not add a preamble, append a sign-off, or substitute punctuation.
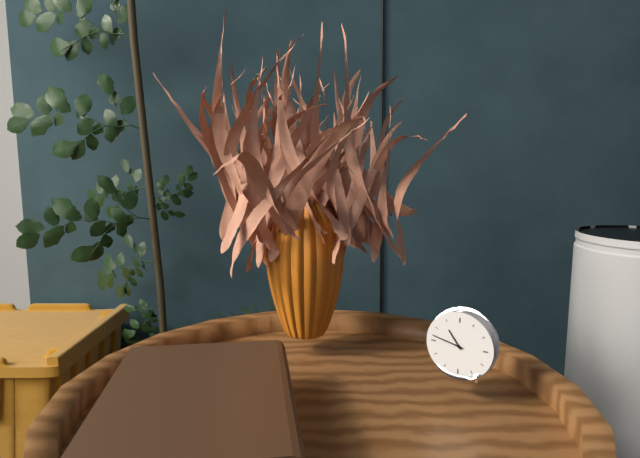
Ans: {"hour": 10, "minute": 47}
